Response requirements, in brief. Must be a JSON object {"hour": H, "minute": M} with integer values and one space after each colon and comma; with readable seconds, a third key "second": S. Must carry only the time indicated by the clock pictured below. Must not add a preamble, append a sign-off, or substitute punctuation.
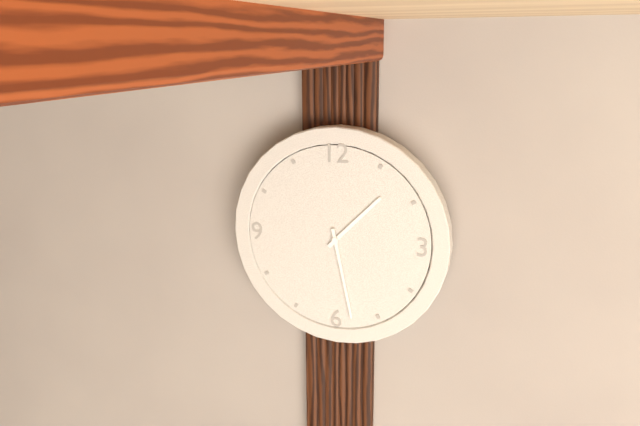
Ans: {"hour": 1, "minute": 28}
